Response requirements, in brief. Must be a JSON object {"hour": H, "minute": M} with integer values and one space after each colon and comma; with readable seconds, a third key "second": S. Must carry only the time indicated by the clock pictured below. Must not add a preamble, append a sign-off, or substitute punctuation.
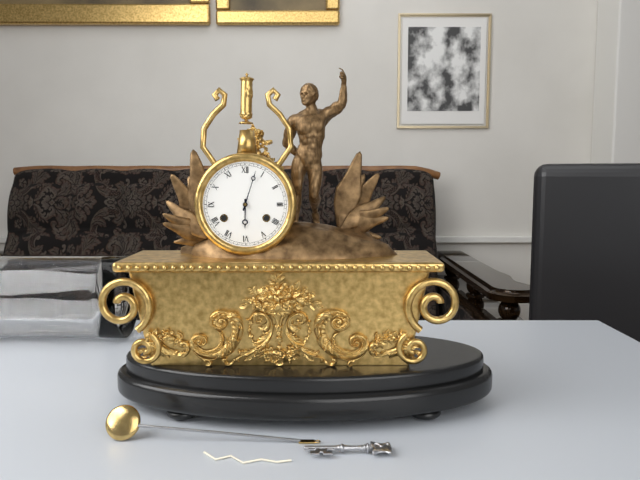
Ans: {"hour": 6, "minute": 3}
